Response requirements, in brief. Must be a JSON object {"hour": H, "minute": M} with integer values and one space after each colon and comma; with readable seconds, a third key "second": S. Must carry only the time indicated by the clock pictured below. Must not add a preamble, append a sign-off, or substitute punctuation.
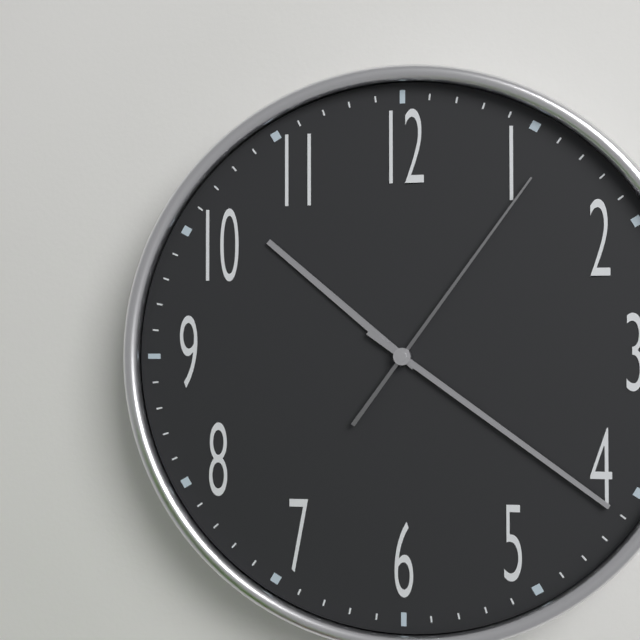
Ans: {"hour": 10, "minute": 21, "second": 6}
